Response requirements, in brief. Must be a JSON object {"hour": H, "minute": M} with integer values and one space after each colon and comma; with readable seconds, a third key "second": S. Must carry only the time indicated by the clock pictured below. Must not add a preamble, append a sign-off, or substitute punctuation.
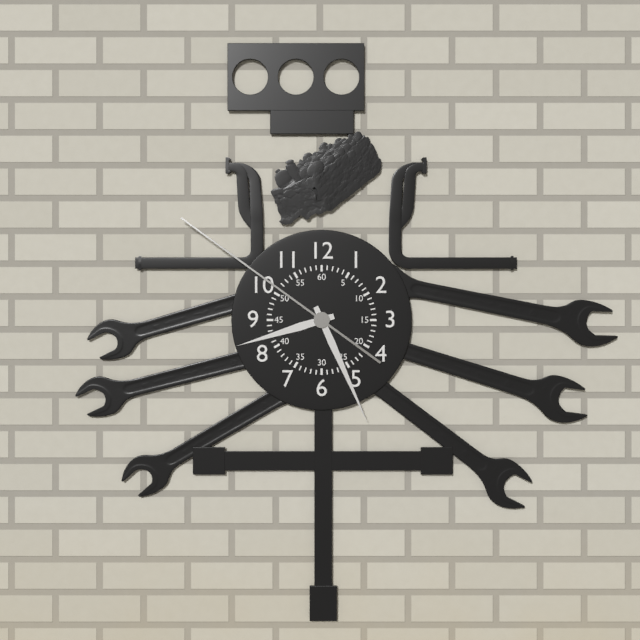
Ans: {"hour": 8, "minute": 26, "second": 51}
